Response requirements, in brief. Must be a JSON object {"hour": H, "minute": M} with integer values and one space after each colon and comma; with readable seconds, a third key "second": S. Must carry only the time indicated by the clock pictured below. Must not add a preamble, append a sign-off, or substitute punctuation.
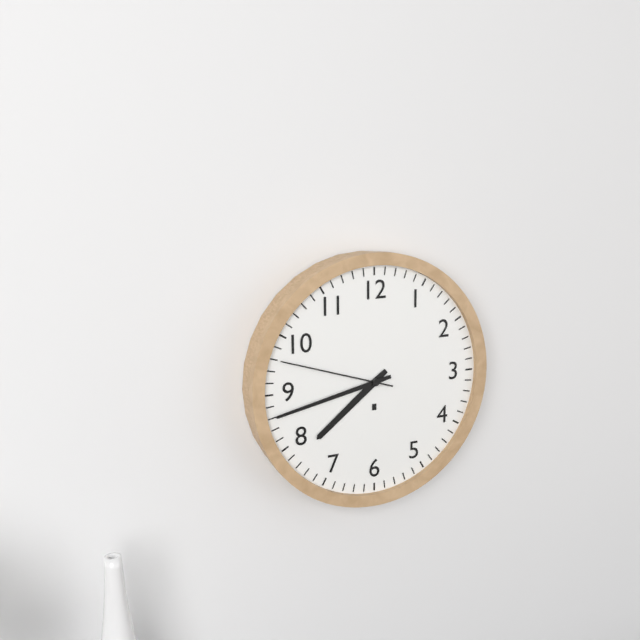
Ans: {"hour": 7, "minute": 43, "second": 48}
